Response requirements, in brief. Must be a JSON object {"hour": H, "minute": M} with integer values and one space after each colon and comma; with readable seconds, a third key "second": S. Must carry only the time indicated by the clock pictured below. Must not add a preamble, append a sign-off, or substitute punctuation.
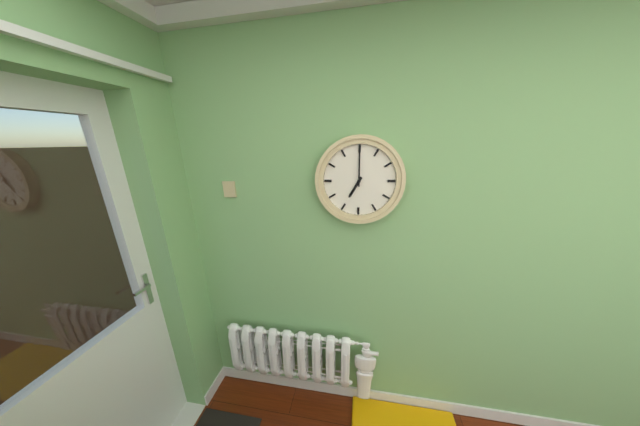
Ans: {"hour": 7, "minute": 0}
